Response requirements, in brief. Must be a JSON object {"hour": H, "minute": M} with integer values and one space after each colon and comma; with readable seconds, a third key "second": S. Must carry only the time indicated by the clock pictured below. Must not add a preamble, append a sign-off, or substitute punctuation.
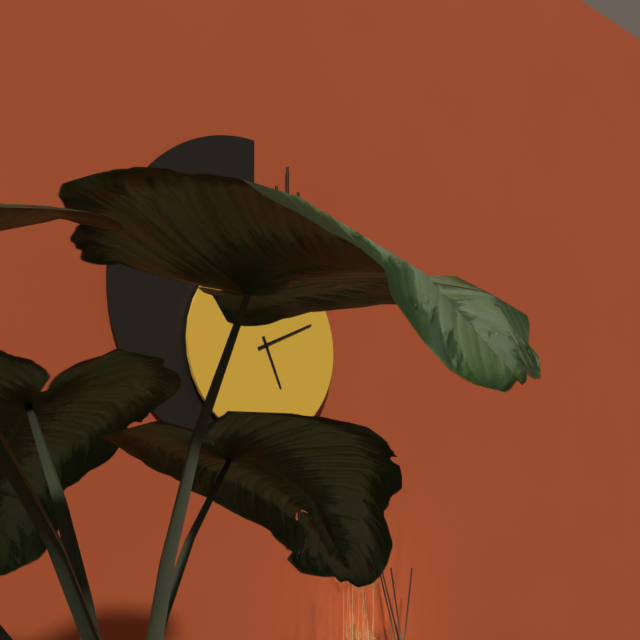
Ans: {"hour": 5, "minute": 11}
